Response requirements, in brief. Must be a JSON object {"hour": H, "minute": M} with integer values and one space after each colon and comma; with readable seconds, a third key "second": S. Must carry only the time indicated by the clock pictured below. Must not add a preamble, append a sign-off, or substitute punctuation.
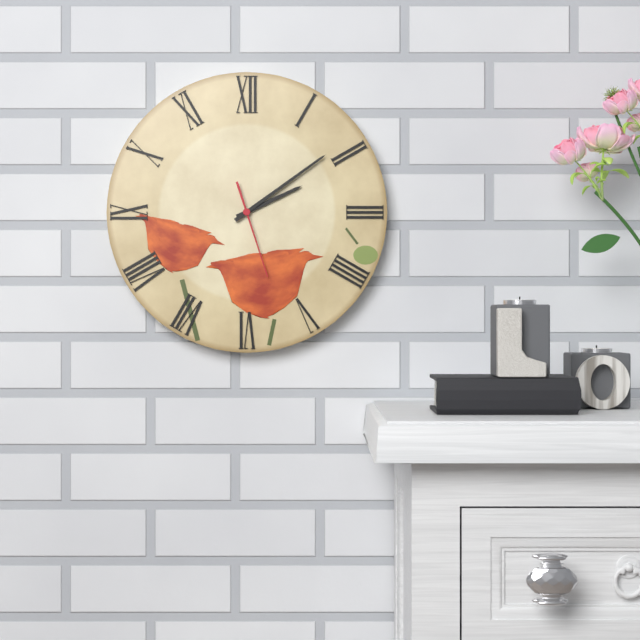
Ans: {"hour": 2, "minute": 9, "second": 27}
